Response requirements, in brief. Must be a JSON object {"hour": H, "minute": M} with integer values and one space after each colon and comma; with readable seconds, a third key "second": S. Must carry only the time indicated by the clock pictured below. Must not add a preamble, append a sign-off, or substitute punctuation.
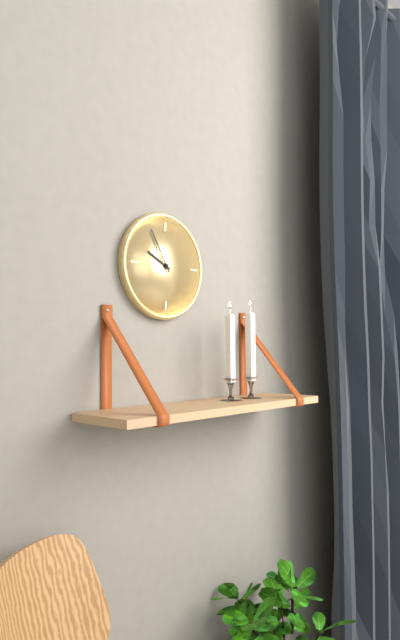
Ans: {"hour": 9, "minute": 55}
